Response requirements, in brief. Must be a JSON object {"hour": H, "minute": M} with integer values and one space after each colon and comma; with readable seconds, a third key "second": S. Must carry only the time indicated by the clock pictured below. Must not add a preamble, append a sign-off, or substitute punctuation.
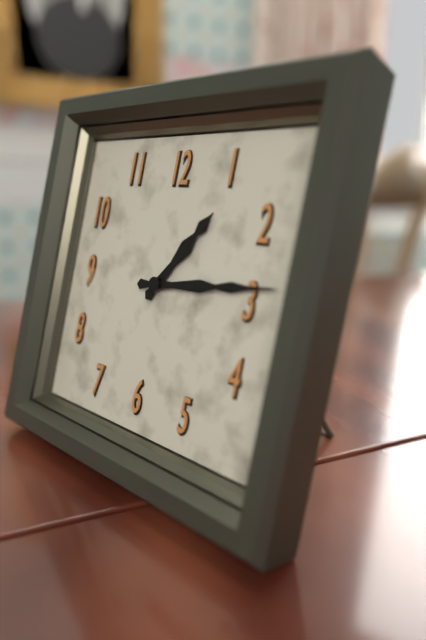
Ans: {"hour": 1, "minute": 14}
